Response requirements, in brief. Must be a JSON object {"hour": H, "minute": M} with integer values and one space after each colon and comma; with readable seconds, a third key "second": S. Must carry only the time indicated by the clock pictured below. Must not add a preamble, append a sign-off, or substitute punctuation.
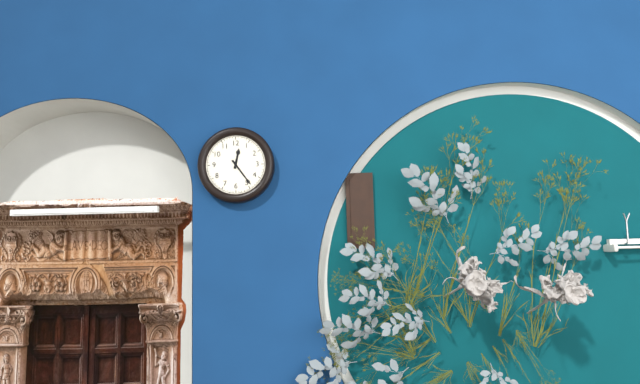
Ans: {"hour": 12, "minute": 24}
